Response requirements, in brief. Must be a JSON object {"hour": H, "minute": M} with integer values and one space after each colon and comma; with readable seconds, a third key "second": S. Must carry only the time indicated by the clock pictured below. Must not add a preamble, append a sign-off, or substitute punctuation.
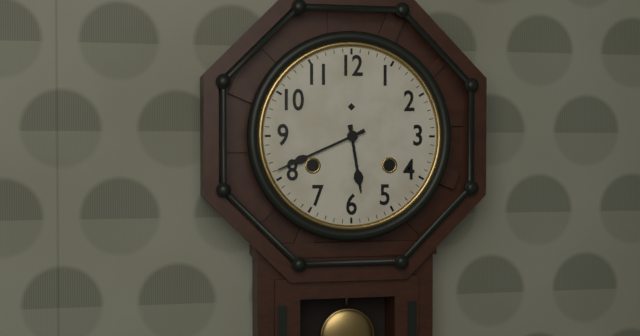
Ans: {"hour": 5, "minute": 41}
